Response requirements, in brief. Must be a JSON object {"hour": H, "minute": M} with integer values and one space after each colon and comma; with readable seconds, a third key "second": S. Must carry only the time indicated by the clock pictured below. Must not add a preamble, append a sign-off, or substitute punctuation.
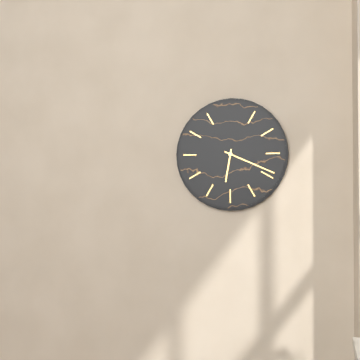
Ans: {"hour": 6, "minute": 19}
